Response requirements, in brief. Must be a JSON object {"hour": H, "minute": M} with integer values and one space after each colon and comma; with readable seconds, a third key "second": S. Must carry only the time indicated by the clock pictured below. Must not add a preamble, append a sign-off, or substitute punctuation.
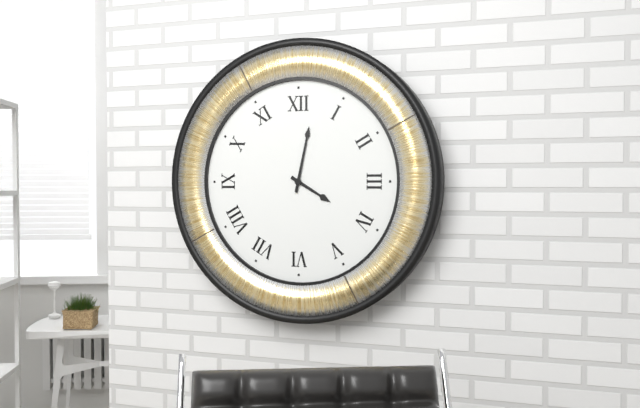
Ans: {"hour": 4, "minute": 2}
